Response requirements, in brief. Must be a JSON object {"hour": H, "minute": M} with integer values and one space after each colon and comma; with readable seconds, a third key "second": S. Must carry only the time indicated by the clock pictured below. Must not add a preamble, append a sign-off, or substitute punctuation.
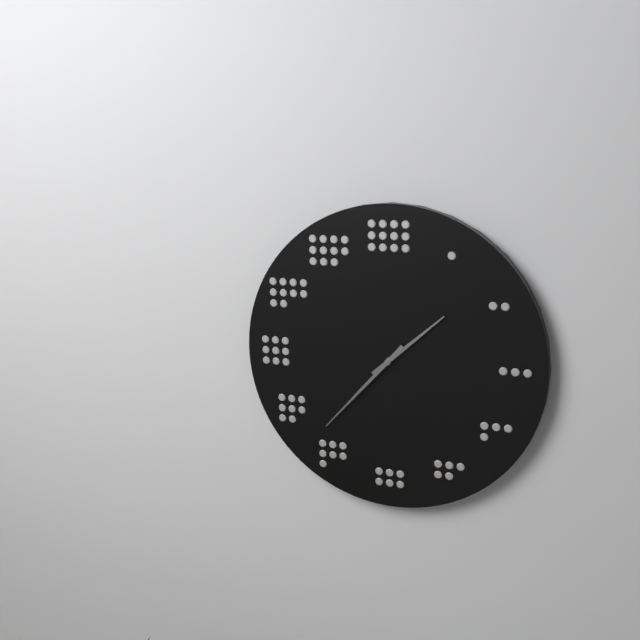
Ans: {"hour": 1, "minute": 37}
